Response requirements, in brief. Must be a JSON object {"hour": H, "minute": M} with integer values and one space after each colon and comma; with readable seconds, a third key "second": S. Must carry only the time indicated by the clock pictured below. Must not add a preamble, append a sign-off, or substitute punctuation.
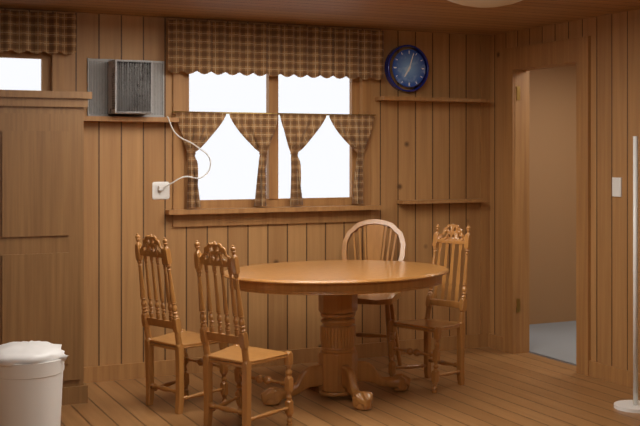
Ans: {"hour": 7, "minute": 3}
